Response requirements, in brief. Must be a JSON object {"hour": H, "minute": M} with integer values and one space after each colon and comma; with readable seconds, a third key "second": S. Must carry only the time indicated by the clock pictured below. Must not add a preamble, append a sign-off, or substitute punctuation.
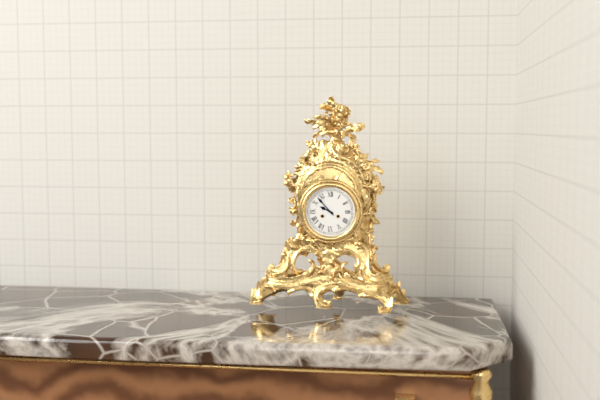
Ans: {"hour": 9, "minute": 53}
